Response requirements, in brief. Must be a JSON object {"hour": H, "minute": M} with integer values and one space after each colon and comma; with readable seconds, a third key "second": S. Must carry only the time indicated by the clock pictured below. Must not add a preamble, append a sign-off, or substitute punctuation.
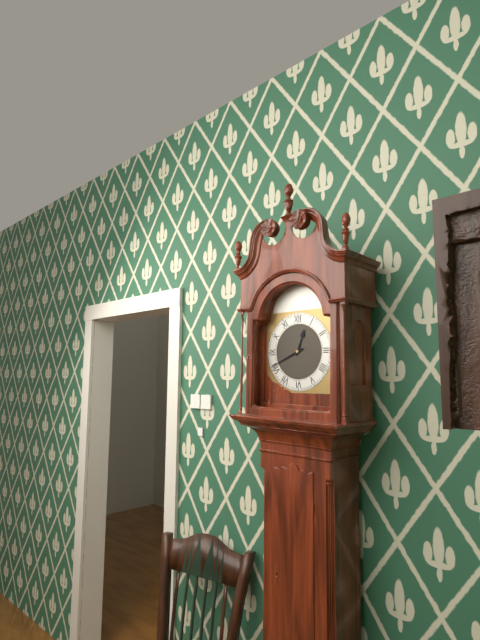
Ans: {"hour": 12, "minute": 41}
